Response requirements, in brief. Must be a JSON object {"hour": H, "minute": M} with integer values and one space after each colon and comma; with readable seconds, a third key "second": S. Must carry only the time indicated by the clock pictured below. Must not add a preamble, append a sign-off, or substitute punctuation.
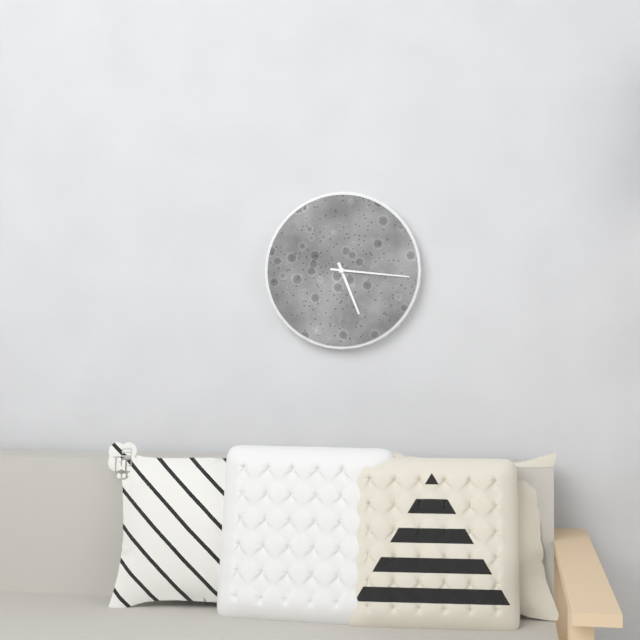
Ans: {"hour": 5, "minute": 16}
